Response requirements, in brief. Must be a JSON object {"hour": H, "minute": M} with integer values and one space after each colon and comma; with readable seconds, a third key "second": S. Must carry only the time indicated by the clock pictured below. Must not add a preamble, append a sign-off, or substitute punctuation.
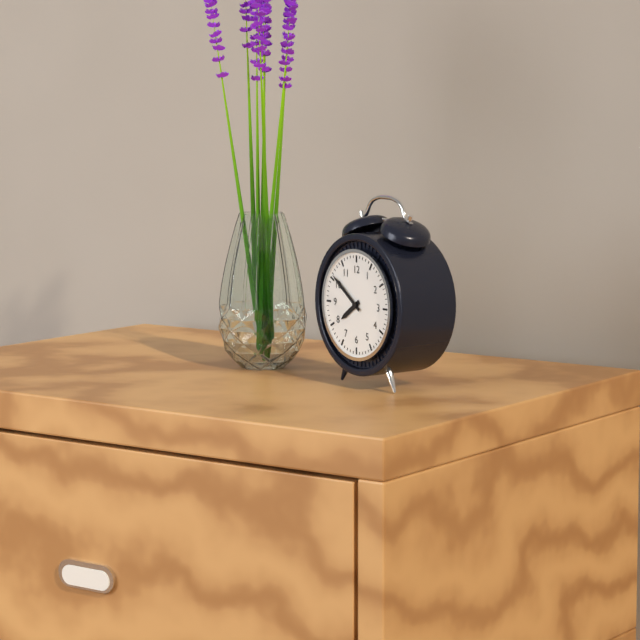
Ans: {"hour": 7, "minute": 51}
